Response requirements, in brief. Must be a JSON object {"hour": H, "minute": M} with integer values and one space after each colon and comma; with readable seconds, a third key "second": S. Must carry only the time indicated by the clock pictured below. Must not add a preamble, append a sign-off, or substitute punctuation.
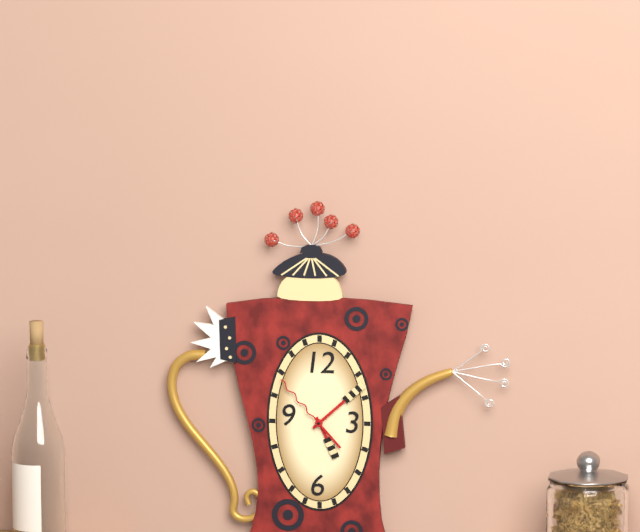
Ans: {"hour": 5, "minute": 8, "second": 53}
